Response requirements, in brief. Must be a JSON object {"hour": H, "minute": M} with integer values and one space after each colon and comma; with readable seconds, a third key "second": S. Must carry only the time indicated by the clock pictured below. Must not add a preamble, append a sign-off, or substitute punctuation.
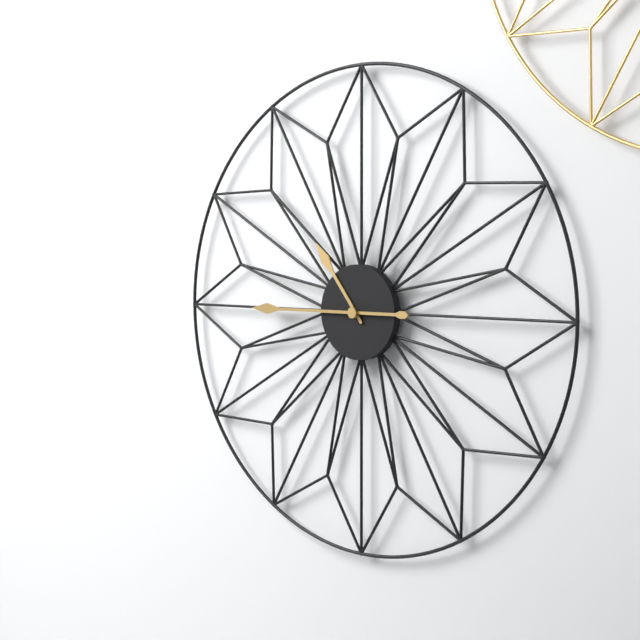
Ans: {"hour": 10, "minute": 45}
